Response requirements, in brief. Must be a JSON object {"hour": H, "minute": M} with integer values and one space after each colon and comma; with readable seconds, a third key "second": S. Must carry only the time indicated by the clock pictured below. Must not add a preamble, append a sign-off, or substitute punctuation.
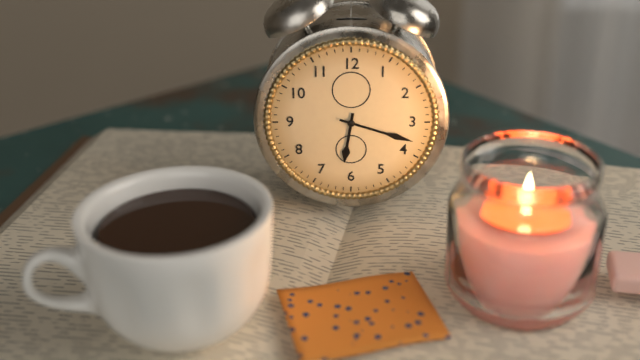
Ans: {"hour": 6, "minute": 18}
